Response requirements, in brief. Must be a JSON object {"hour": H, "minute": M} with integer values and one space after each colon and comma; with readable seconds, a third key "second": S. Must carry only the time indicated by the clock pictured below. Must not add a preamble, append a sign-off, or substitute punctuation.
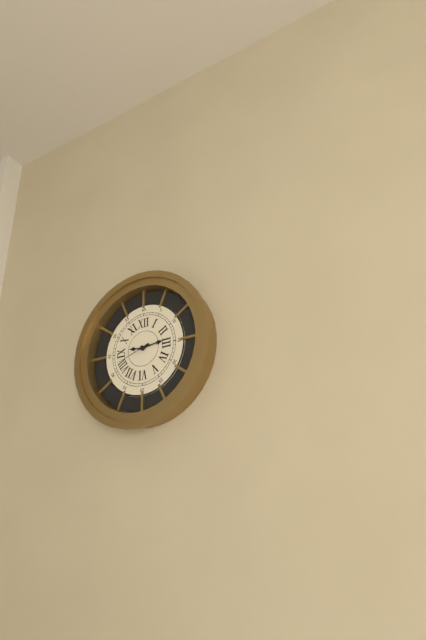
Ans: {"hour": 9, "minute": 14}
